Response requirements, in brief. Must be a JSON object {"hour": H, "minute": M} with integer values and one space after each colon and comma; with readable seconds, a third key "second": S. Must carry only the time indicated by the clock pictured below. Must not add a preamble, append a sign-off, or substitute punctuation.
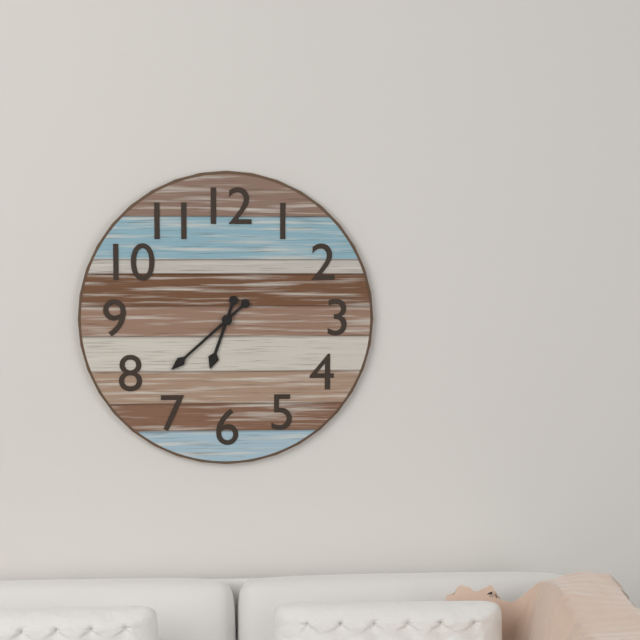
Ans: {"hour": 6, "minute": 38}
